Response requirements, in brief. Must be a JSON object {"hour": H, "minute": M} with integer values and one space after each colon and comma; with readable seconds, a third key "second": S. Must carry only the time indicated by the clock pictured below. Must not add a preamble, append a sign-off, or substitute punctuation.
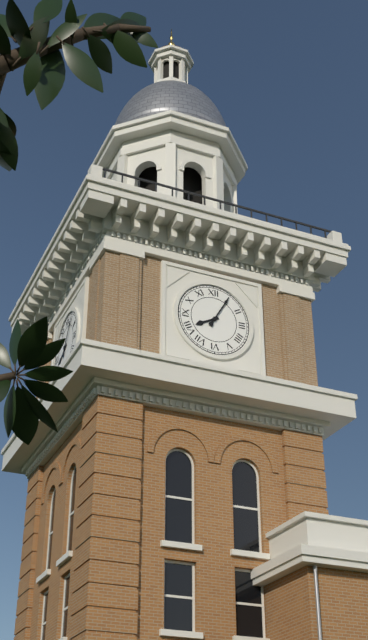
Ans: {"hour": 8, "minute": 5}
